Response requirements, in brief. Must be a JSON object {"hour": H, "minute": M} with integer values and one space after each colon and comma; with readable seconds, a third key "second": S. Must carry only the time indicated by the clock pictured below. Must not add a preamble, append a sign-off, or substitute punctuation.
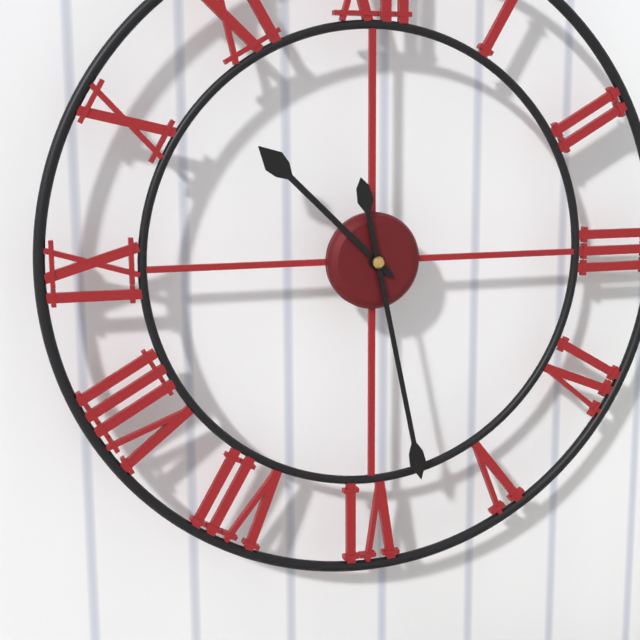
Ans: {"hour": 10, "minute": 28}
